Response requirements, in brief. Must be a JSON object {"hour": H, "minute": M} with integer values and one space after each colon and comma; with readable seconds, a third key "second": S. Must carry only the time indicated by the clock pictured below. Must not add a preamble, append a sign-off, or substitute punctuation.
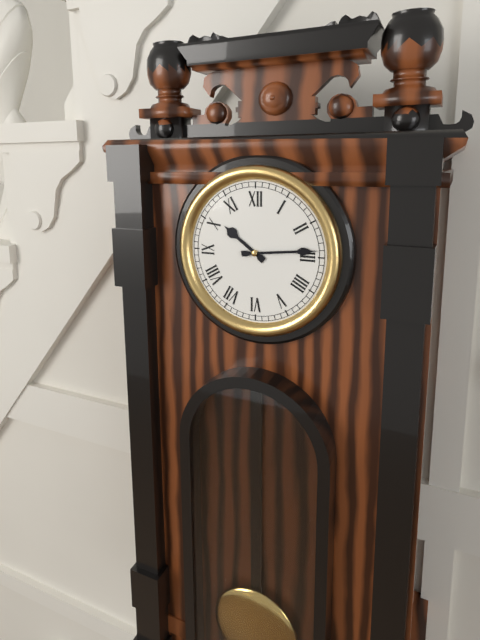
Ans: {"hour": 10, "minute": 14}
